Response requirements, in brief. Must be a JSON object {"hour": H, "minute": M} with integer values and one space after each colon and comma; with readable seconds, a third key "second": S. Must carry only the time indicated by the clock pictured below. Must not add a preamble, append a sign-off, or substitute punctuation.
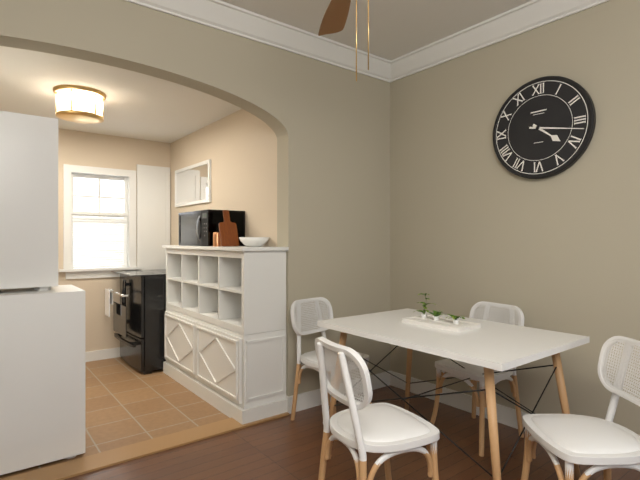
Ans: {"hour": 4, "minute": 17}
